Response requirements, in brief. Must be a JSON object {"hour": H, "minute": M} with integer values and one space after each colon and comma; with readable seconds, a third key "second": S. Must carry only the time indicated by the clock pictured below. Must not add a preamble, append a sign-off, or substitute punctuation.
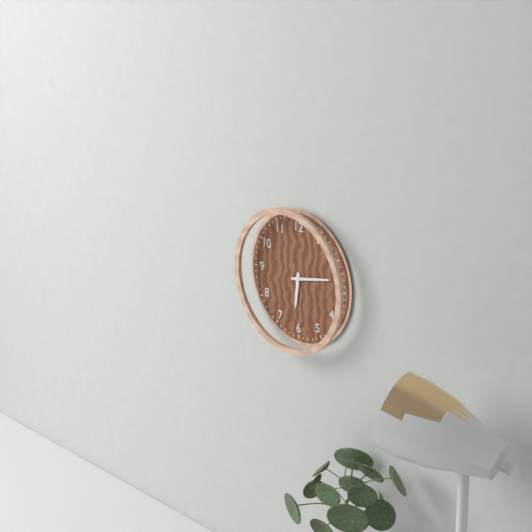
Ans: {"hour": 6, "minute": 13}
